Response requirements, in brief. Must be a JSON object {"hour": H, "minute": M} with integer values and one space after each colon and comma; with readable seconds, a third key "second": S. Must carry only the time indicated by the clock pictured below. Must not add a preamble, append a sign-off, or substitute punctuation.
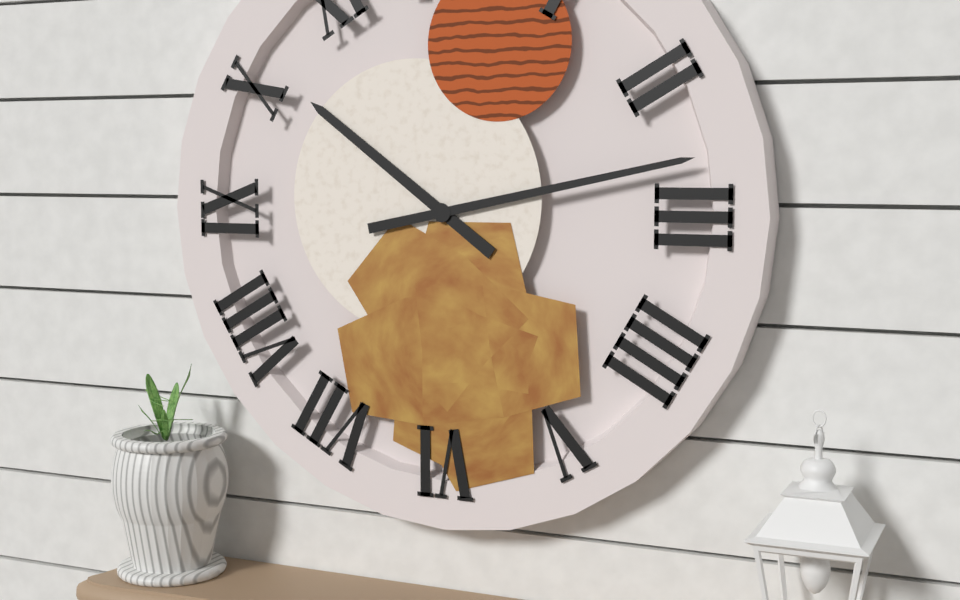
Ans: {"hour": 10, "minute": 13}
